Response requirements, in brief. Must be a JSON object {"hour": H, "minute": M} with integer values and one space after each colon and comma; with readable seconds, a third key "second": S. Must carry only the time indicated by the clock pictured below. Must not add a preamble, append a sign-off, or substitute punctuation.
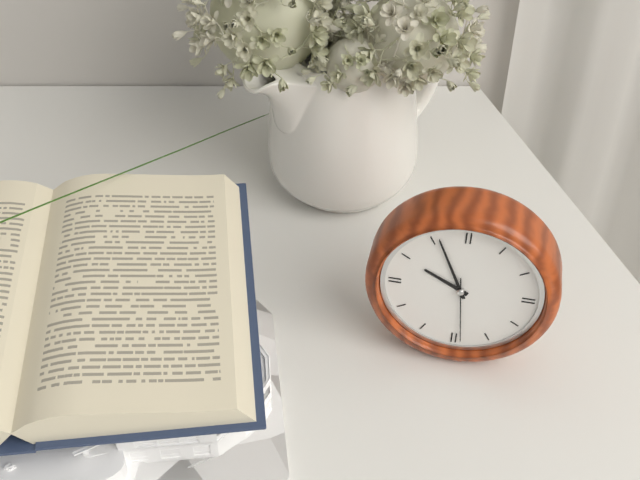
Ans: {"hour": 9, "minute": 56, "second": 29}
